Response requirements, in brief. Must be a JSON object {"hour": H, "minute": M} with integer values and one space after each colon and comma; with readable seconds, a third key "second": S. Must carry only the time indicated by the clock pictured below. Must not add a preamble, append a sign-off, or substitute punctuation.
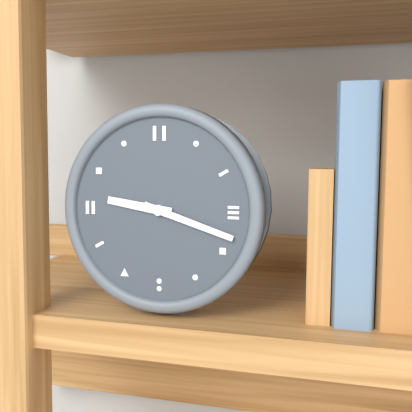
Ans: {"hour": 9, "minute": 18}
